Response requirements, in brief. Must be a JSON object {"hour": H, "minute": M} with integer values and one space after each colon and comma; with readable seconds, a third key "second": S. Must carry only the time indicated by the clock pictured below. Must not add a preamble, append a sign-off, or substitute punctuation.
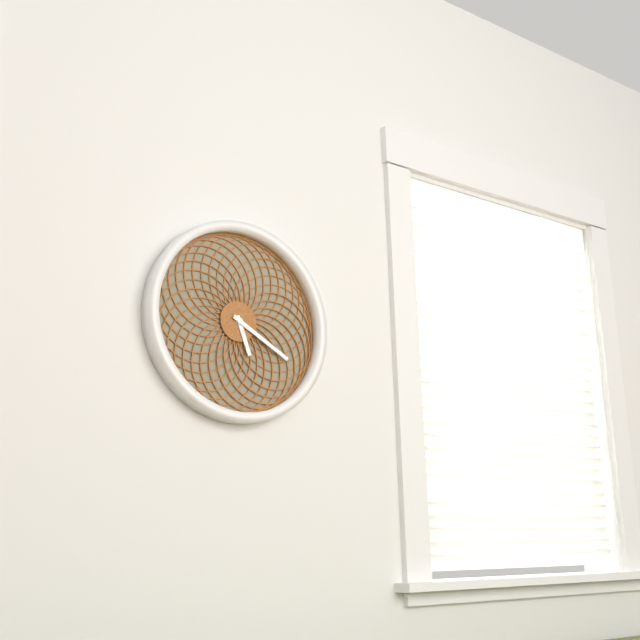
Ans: {"hour": 5, "minute": 20}
